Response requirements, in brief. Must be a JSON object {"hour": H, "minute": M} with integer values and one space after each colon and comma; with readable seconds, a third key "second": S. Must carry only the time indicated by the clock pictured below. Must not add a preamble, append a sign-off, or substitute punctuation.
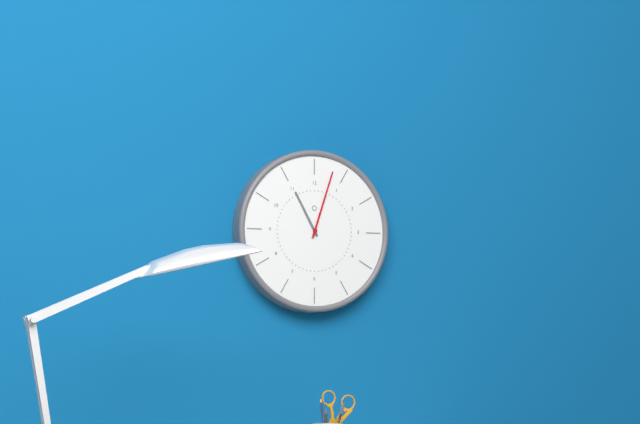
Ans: {"hour": 11, "minute": 3}
